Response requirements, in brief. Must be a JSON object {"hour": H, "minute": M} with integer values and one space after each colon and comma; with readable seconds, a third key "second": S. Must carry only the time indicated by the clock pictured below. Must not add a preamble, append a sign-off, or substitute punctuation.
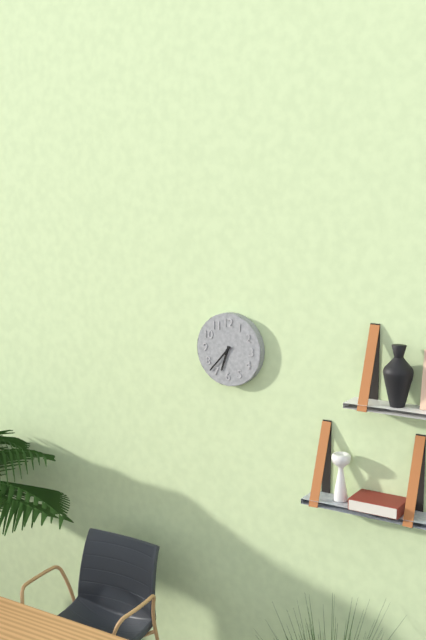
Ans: {"hour": 6, "minute": 37}
